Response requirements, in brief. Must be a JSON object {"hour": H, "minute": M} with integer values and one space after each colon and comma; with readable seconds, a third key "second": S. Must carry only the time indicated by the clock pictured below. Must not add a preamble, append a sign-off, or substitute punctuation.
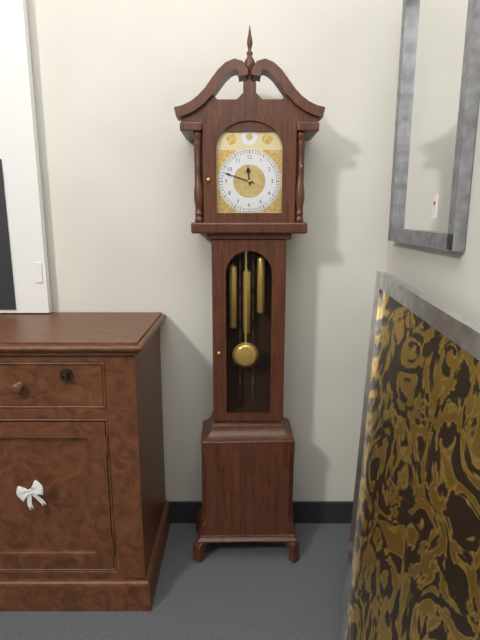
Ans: {"hour": 11, "minute": 48}
